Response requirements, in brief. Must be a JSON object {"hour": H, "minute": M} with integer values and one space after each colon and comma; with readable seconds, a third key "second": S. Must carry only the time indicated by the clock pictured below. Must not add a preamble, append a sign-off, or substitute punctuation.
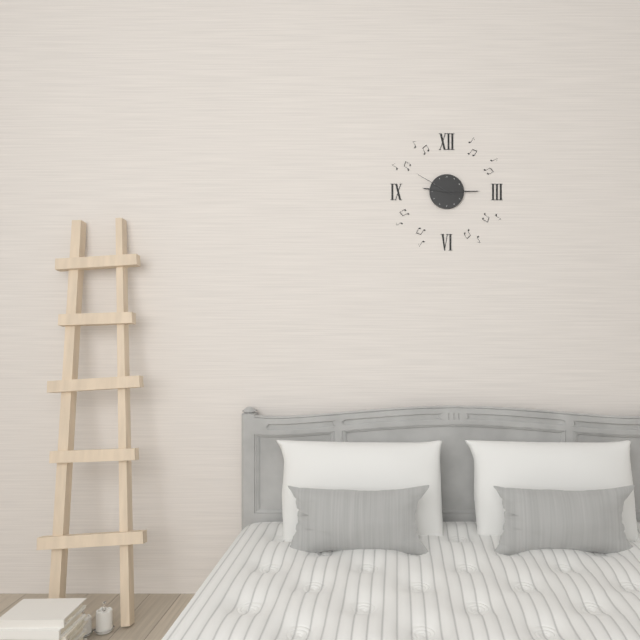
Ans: {"hour": 9, "minute": 15}
